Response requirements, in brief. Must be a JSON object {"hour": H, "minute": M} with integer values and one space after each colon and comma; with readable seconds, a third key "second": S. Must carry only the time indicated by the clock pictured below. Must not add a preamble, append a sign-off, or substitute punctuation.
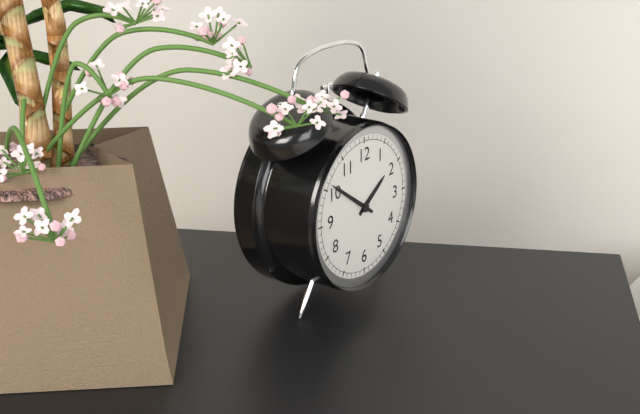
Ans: {"hour": 1, "minute": 51}
